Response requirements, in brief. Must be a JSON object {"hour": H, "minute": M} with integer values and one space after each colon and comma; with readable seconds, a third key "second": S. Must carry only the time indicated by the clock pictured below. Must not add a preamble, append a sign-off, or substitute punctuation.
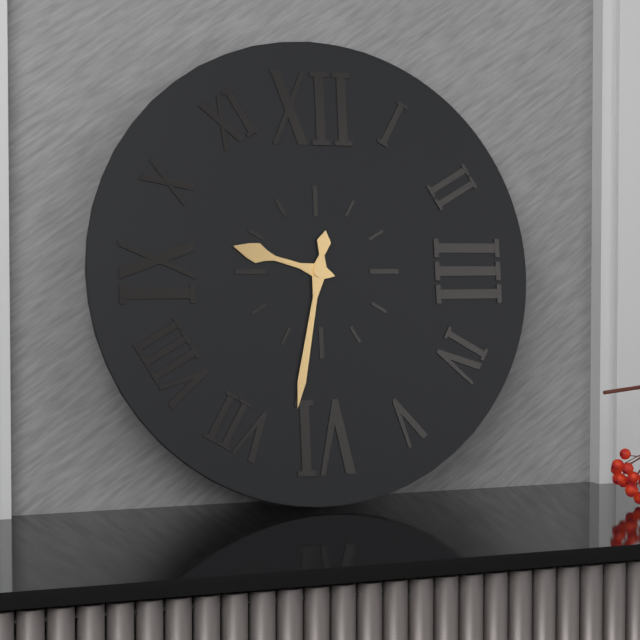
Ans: {"hour": 9, "minute": 32}
